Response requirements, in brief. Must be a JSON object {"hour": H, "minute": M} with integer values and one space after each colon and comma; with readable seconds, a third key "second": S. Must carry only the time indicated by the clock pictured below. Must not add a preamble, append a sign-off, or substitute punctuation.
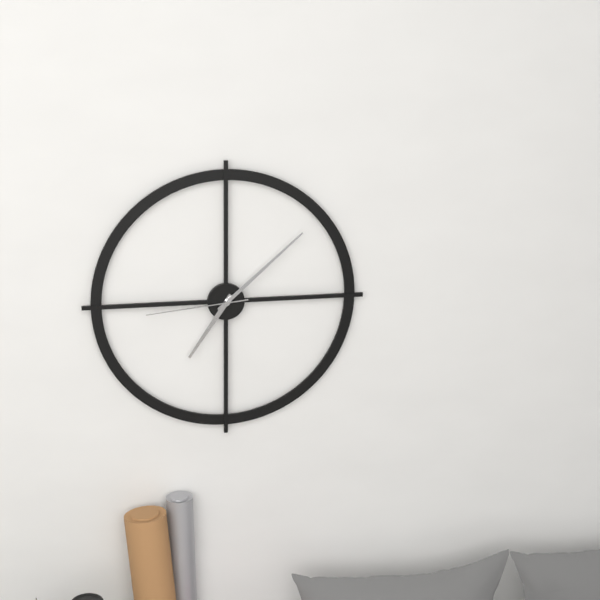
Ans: {"hour": 7, "minute": 8, "second": 44}
